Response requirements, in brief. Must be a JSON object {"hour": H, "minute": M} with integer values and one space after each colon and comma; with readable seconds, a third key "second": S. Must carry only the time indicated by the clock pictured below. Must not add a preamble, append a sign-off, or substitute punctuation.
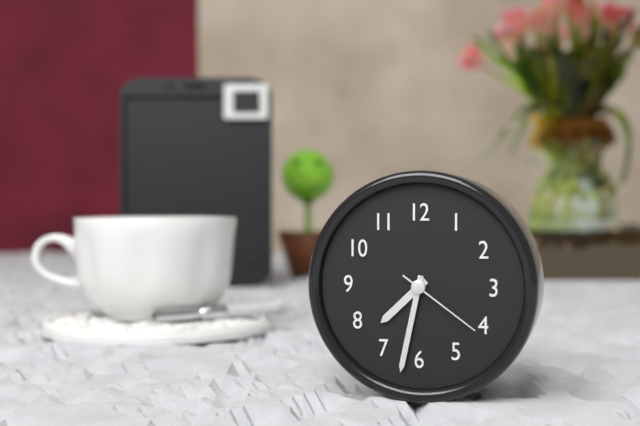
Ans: {"hour": 7, "minute": 32, "second": 21}
